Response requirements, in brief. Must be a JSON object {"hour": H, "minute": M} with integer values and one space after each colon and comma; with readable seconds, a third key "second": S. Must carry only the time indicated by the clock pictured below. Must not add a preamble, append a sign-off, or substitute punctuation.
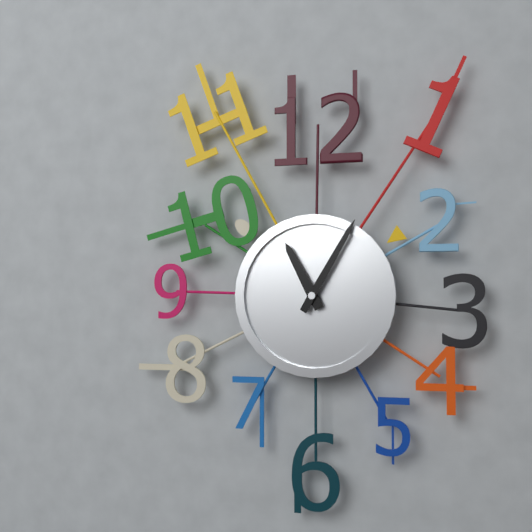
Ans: {"hour": 11, "minute": 5}
